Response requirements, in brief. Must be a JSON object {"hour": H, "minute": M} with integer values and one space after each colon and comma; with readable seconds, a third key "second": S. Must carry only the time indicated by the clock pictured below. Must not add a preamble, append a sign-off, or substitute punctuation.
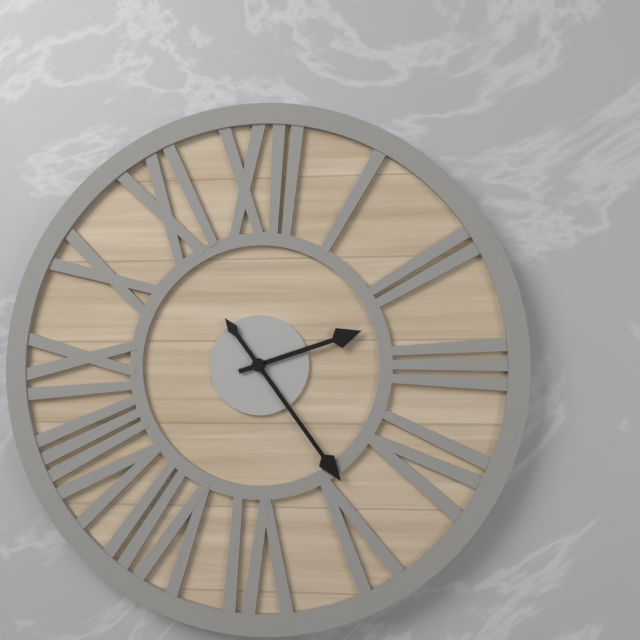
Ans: {"hour": 2, "minute": 24}
